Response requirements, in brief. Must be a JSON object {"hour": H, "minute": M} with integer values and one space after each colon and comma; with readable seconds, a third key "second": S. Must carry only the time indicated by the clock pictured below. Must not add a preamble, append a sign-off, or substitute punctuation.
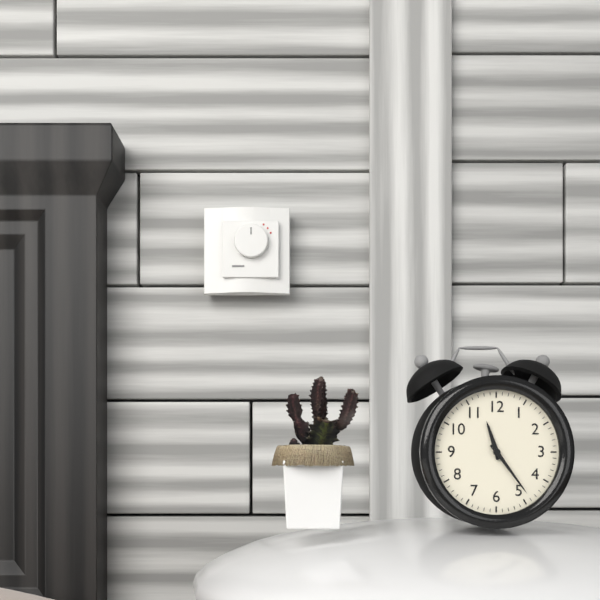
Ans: {"hour": 11, "minute": 24}
